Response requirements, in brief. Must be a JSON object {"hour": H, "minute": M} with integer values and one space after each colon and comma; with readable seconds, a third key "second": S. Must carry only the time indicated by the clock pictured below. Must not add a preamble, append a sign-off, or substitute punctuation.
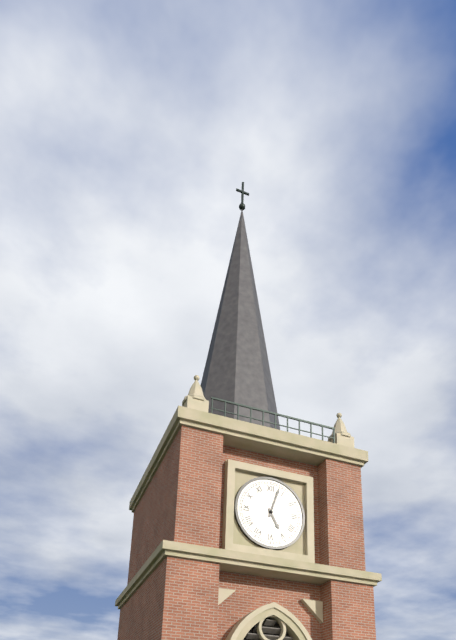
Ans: {"hour": 5, "minute": 3}
